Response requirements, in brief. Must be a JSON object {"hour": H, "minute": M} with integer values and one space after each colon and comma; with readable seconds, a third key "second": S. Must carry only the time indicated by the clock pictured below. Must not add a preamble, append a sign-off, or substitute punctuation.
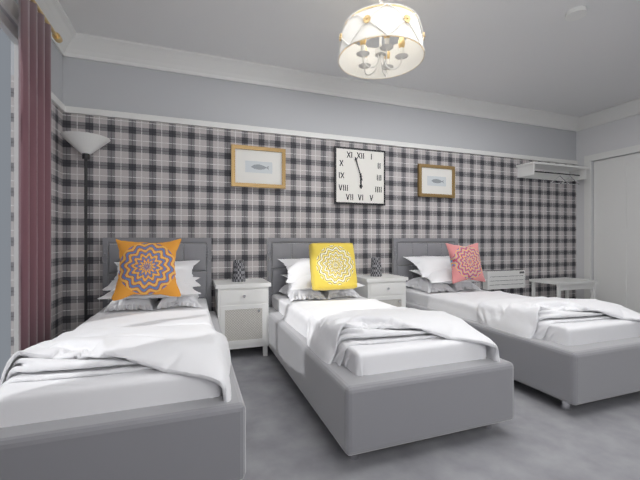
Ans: {"hour": 5, "minute": 57}
